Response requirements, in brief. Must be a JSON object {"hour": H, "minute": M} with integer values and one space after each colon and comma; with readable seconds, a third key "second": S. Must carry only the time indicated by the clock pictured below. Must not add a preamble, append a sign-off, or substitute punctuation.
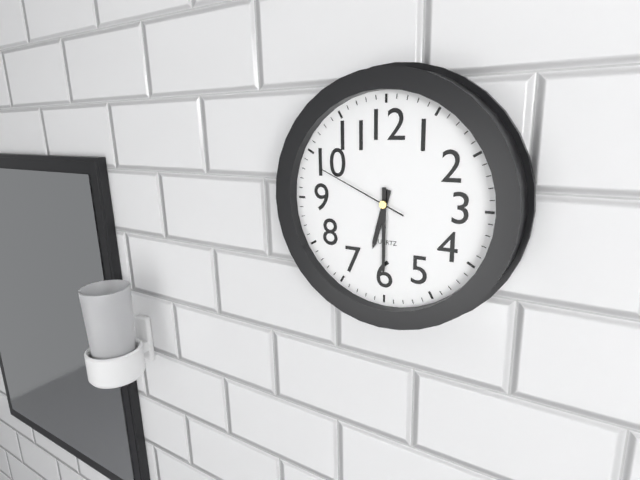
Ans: {"hour": 6, "minute": 30, "second": 49}
